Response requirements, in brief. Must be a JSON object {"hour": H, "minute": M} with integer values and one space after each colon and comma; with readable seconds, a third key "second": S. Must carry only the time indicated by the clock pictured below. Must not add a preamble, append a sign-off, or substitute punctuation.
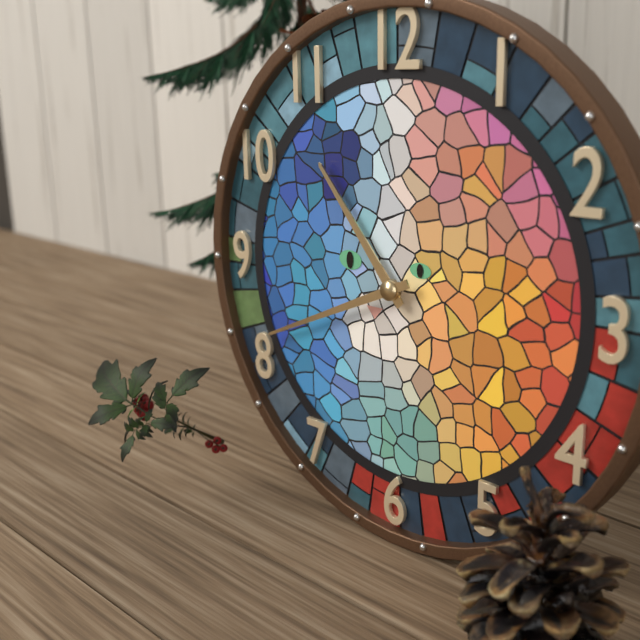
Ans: {"hour": 10, "minute": 41}
